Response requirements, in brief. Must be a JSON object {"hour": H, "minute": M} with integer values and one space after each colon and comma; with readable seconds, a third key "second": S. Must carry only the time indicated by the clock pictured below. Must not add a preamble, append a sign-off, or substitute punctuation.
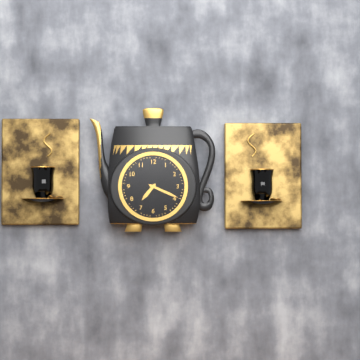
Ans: {"hour": 7, "minute": 19}
